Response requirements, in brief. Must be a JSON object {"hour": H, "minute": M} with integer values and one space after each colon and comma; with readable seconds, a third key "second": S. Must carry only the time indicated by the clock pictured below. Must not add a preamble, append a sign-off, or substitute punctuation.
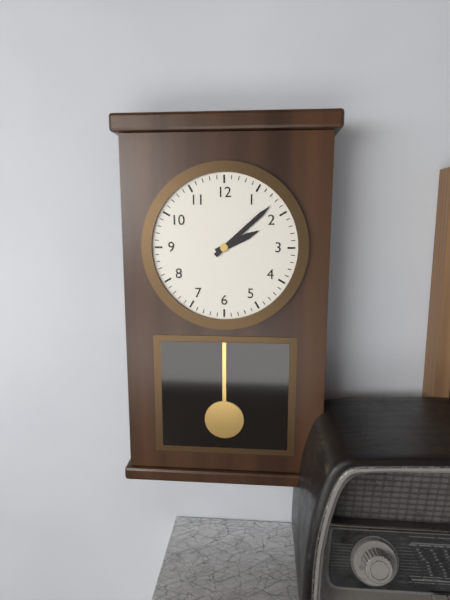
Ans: {"hour": 2, "minute": 8}
